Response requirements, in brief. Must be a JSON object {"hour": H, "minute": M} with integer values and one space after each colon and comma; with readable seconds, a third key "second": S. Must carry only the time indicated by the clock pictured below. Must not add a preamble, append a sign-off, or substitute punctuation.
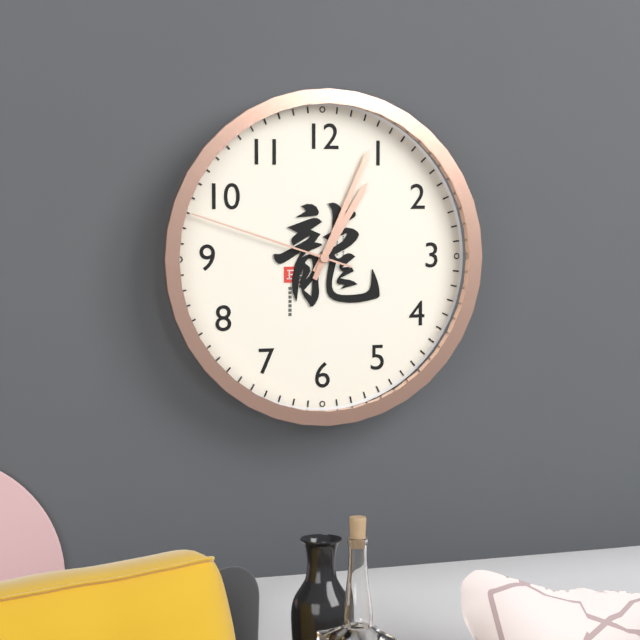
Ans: {"hour": 1, "minute": 4, "second": 48}
